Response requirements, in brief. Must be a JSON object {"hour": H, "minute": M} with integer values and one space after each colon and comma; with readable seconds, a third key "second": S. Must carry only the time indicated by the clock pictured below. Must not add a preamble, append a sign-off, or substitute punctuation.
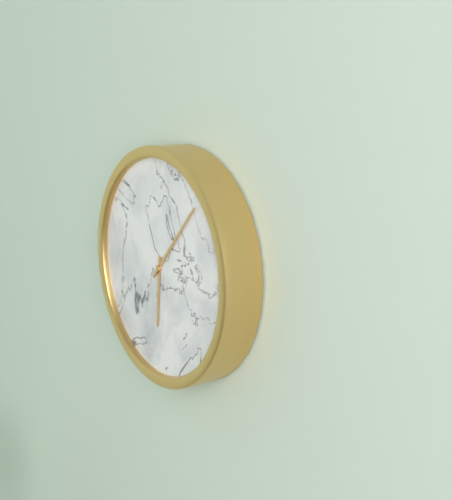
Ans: {"hour": 6, "minute": 7}
